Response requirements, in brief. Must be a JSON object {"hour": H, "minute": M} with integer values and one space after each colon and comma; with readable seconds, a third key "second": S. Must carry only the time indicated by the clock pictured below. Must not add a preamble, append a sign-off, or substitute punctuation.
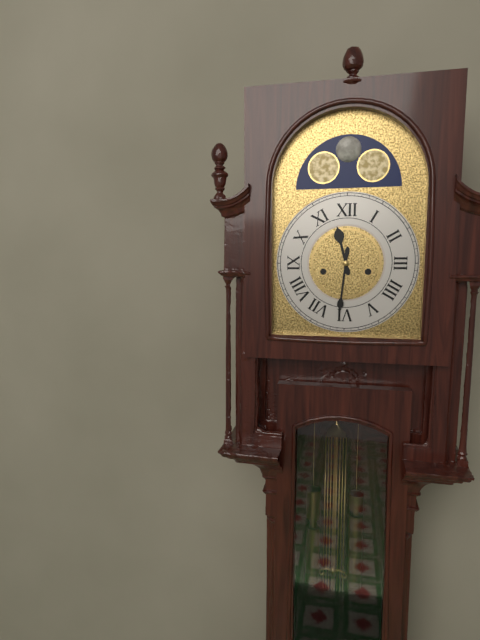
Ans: {"hour": 11, "minute": 31}
